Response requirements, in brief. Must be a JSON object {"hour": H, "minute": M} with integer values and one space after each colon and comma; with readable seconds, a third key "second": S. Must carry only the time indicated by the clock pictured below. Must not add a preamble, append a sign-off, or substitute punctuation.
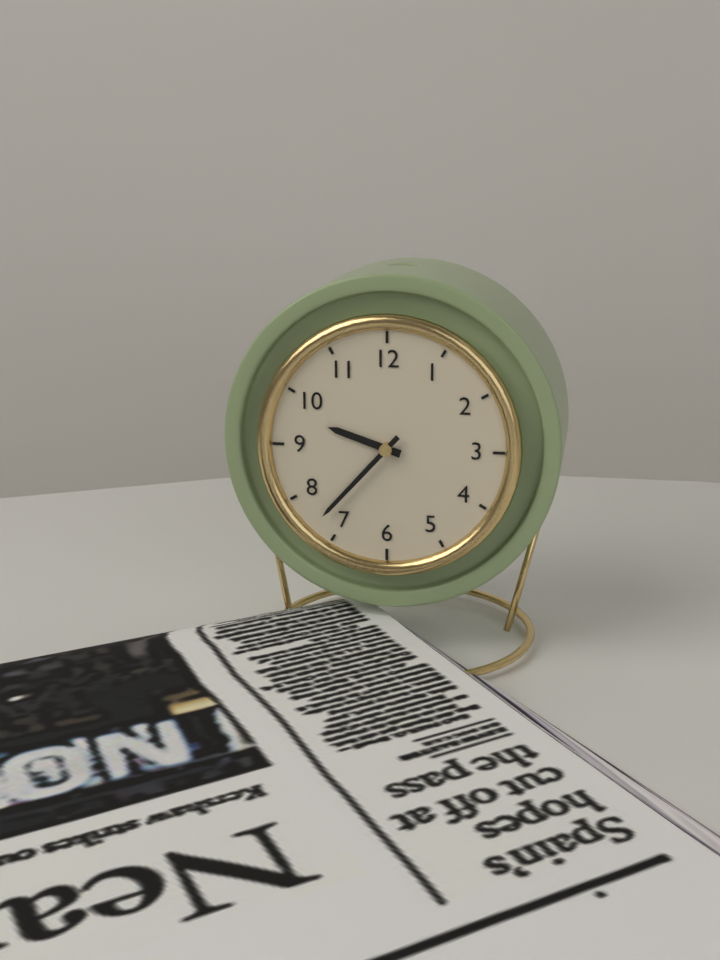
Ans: {"hour": 9, "minute": 37}
